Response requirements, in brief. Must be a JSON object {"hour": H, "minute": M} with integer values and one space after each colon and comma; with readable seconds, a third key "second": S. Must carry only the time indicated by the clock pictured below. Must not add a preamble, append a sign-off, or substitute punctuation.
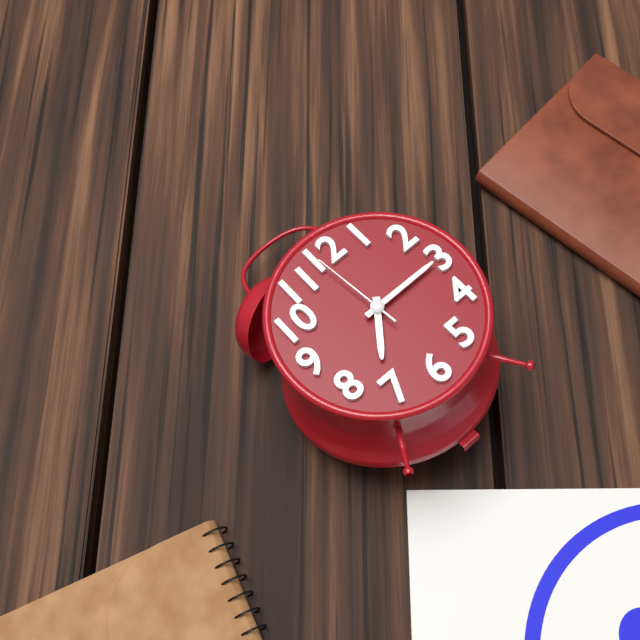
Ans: {"hour": 7, "minute": 15, "second": 59}
